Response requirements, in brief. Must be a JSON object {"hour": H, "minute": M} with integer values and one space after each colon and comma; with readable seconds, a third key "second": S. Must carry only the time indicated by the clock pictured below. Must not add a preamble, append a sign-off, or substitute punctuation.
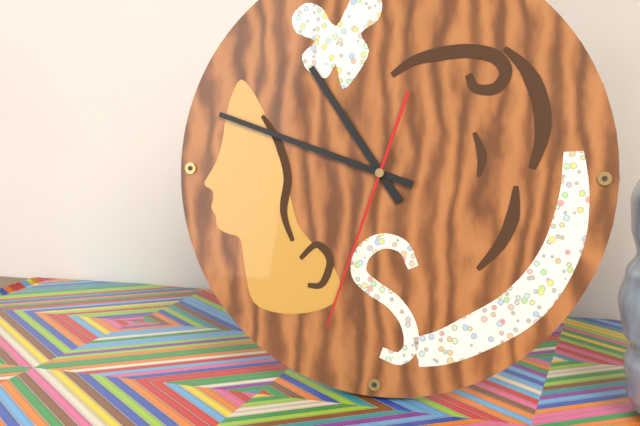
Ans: {"hour": 10, "minute": 48, "second": 33}
